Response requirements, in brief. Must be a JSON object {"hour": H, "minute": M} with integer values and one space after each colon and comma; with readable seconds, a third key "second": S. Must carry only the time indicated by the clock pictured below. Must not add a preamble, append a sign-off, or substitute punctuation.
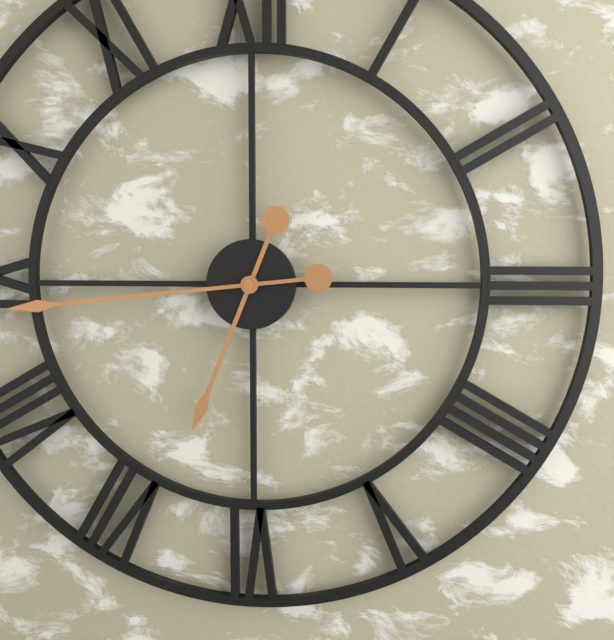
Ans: {"hour": 6, "minute": 44}
